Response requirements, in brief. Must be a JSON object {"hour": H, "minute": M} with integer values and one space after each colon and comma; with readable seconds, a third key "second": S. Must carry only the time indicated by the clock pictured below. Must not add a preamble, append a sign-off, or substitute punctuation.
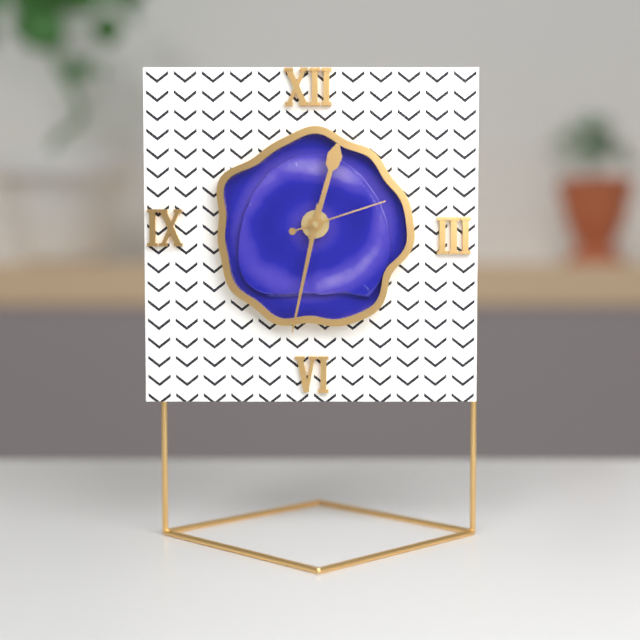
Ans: {"hour": 12, "minute": 32, "second": 12}
